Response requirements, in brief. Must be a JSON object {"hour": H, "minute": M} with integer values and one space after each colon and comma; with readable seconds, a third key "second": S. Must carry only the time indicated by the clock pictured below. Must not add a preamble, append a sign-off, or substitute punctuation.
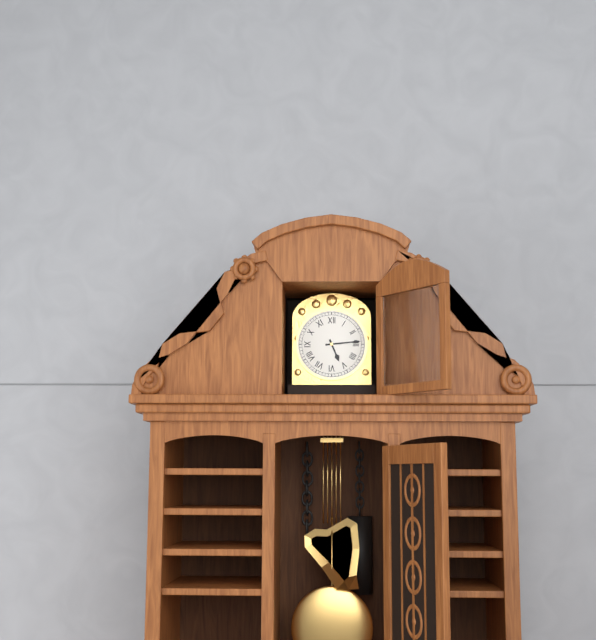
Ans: {"hour": 5, "minute": 14}
